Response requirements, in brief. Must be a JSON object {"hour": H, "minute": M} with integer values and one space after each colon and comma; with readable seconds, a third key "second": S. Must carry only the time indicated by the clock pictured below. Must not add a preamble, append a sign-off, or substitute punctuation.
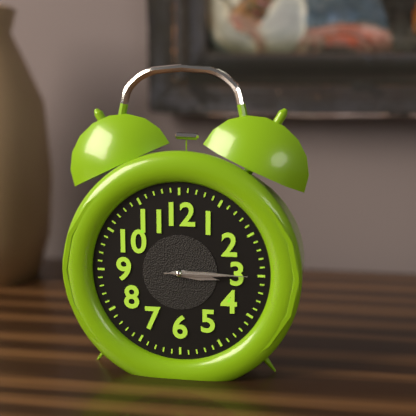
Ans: {"hour": 3, "minute": 15, "second": 15}
